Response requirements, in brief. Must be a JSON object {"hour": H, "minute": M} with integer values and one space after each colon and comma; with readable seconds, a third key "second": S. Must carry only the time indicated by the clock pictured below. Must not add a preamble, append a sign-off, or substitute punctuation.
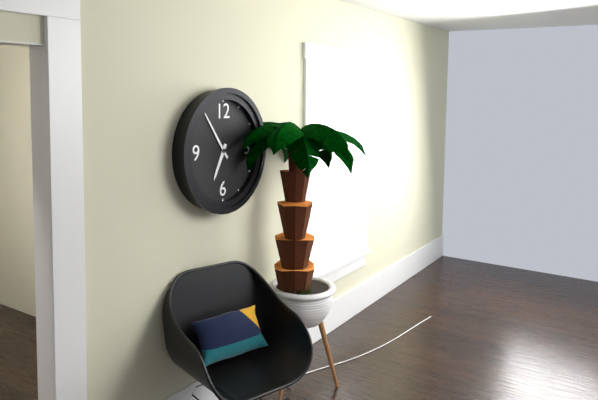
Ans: {"hour": 6, "minute": 54}
